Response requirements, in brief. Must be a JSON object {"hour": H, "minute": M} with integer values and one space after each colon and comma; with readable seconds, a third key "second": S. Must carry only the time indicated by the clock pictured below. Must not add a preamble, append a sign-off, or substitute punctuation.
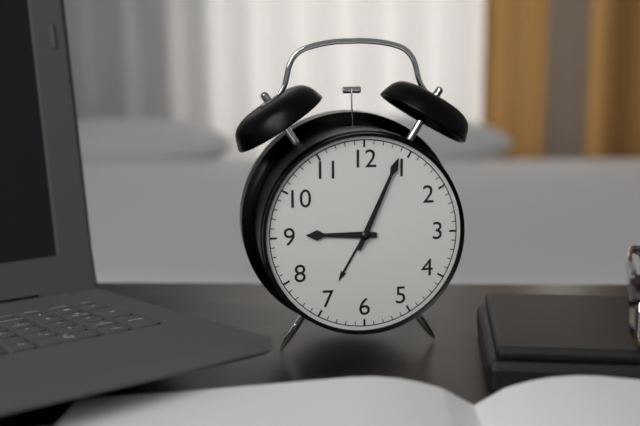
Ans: {"hour": 9, "minute": 4}
